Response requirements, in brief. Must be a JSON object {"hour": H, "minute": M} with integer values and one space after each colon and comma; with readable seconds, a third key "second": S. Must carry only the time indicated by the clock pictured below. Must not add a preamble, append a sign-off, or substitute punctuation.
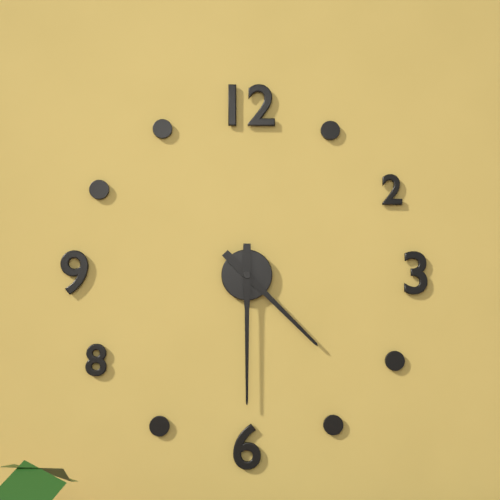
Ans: {"hour": 4, "minute": 30}
